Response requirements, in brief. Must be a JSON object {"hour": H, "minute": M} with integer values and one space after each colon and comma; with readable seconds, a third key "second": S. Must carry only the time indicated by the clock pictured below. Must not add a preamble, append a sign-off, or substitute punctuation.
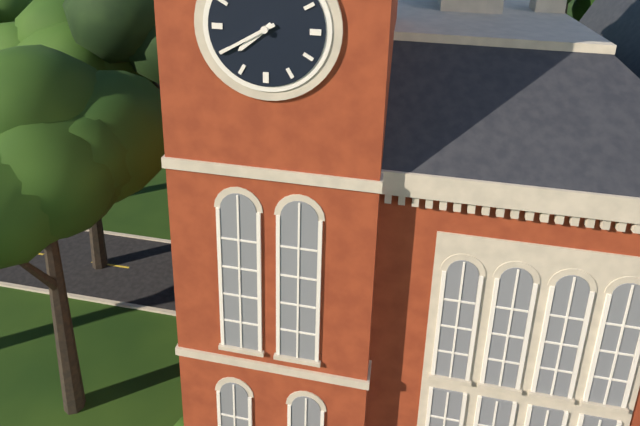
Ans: {"hour": 7, "minute": 40}
